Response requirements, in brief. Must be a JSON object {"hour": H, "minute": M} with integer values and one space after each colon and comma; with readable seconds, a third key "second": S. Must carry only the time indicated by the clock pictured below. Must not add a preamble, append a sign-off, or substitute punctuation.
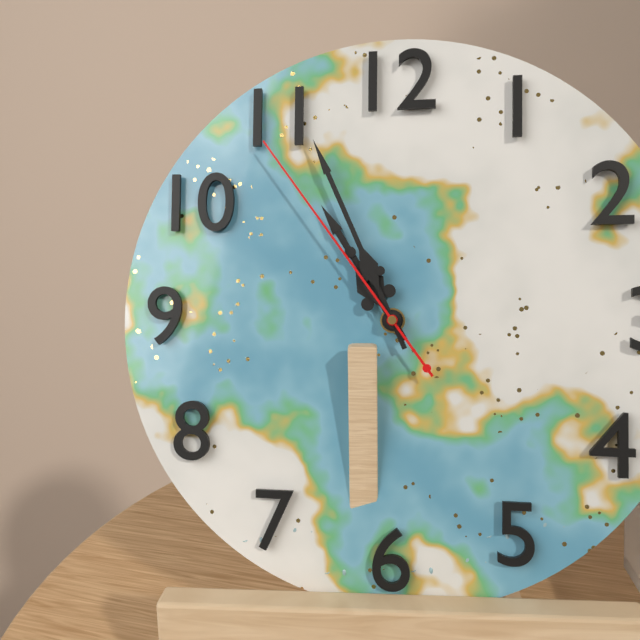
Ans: {"hour": 10, "minute": 56, "second": 54}
